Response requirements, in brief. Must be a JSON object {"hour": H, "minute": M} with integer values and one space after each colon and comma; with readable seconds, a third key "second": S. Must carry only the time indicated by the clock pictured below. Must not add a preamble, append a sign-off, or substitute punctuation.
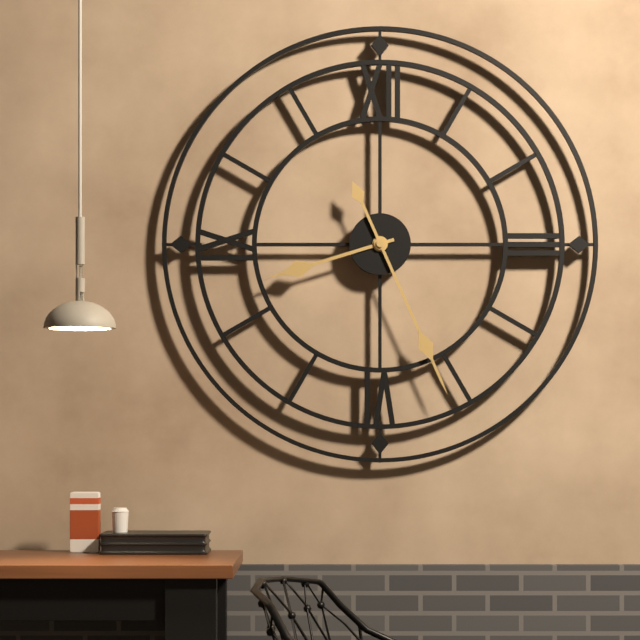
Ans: {"hour": 8, "minute": 26}
